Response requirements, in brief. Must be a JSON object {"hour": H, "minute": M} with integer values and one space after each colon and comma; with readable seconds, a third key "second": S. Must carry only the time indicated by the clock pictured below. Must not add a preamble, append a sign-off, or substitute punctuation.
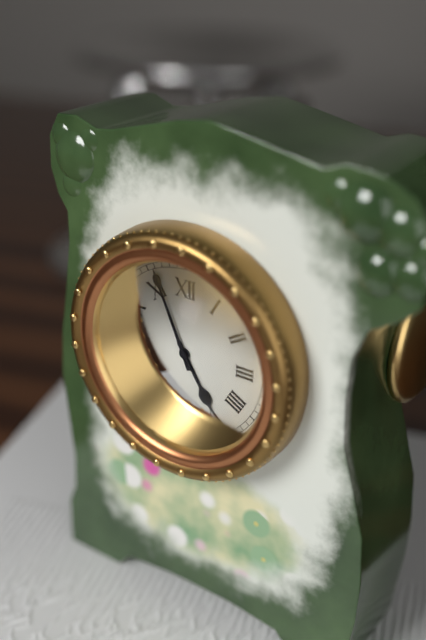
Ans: {"hour": 4, "minute": 56}
